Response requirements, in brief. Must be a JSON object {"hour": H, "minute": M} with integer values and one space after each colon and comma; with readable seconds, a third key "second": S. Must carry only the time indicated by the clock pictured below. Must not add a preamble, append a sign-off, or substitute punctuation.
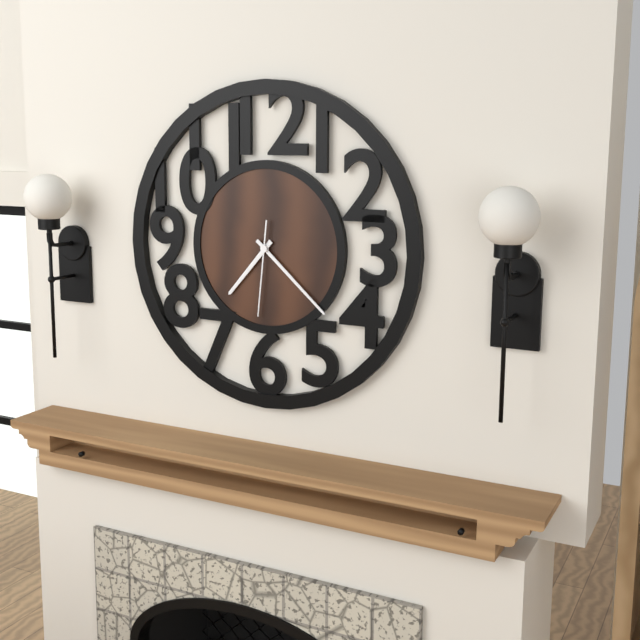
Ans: {"hour": 7, "minute": 22, "second": 31}
